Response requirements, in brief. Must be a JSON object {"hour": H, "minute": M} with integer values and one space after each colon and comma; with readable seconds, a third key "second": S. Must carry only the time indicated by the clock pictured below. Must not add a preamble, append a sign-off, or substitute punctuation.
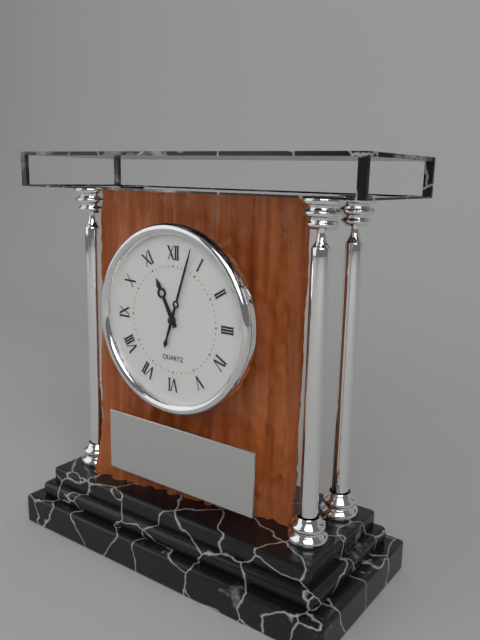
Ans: {"hour": 11, "minute": 3}
